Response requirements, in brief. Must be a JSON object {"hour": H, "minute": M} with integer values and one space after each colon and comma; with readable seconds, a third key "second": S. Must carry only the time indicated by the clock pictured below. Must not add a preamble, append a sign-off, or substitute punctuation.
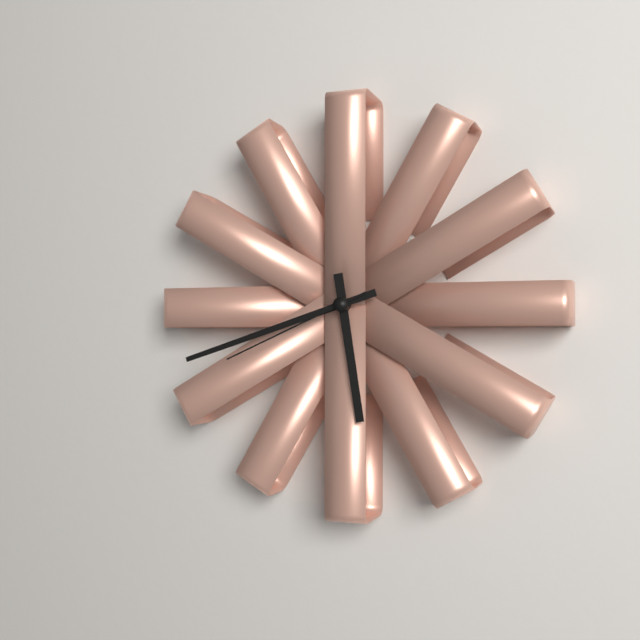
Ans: {"hour": 5, "minute": 42, "second": 41}
